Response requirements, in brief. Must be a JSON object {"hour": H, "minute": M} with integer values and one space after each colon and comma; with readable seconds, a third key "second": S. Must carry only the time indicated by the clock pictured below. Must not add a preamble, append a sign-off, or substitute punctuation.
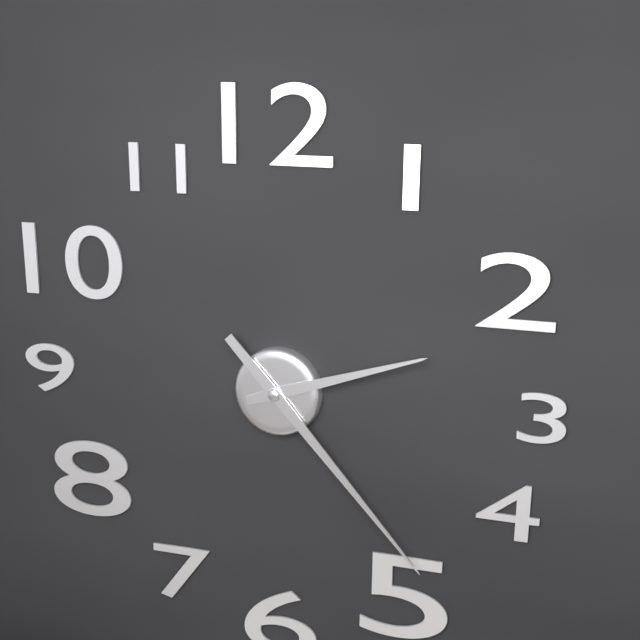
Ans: {"hour": 2, "minute": 23}
